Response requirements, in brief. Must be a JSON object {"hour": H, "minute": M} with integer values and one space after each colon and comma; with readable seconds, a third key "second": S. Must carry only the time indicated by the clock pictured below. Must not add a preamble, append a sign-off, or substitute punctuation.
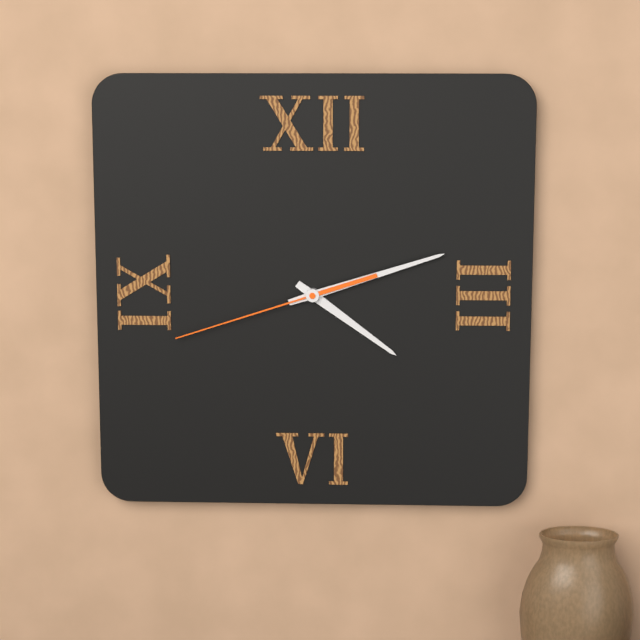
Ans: {"hour": 4, "minute": 12, "second": 42}
